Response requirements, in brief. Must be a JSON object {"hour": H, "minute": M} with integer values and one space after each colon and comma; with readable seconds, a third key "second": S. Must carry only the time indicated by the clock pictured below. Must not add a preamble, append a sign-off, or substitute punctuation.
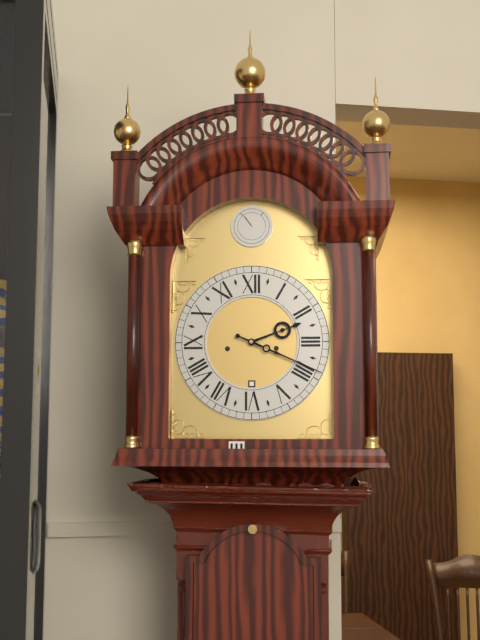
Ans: {"hour": 2, "minute": 19}
